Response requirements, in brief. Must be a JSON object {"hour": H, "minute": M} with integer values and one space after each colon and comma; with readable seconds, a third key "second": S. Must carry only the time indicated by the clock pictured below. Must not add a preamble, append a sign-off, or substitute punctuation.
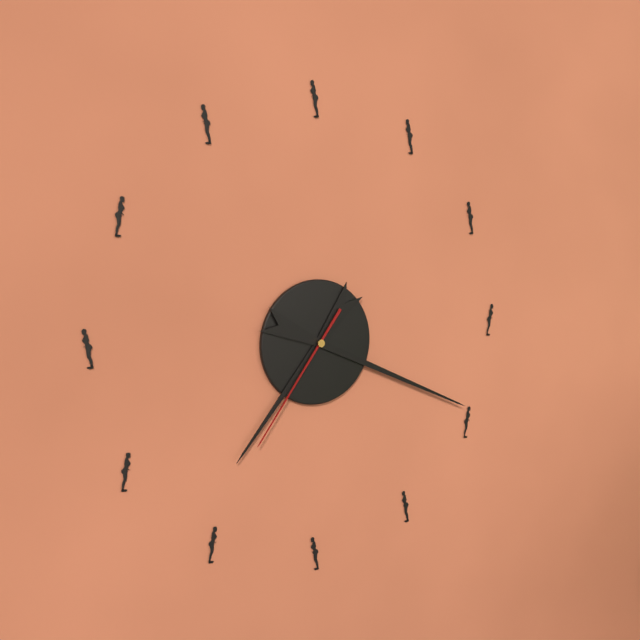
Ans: {"hour": 7, "minute": 19, "second": 36}
